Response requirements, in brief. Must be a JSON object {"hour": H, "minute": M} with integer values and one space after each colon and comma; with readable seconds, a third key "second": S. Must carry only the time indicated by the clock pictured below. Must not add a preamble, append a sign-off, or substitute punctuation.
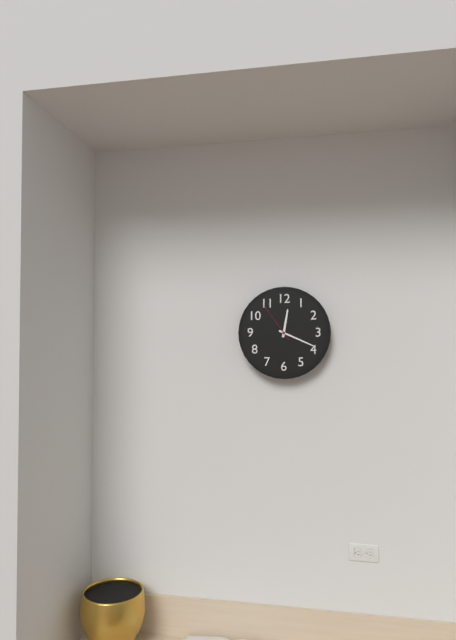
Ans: {"hour": 12, "minute": 19}
